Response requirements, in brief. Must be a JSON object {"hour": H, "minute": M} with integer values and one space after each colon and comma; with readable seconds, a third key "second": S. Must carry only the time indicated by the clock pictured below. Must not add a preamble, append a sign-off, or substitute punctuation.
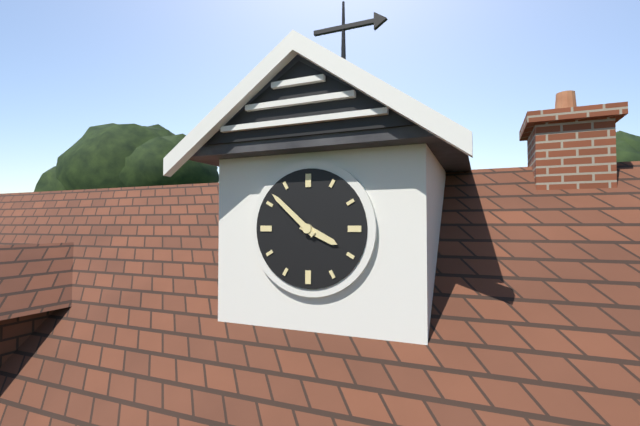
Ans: {"hour": 3, "minute": 52}
